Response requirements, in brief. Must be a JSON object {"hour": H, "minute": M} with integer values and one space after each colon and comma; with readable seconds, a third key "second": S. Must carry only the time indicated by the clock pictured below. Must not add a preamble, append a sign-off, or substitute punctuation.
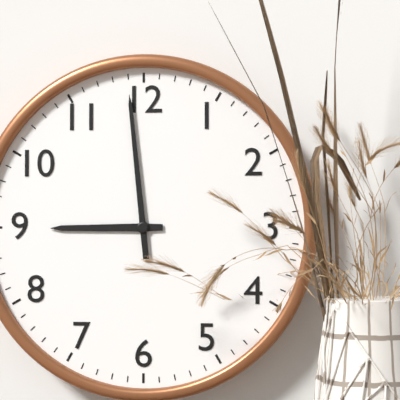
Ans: {"hour": 8, "minute": 59}
